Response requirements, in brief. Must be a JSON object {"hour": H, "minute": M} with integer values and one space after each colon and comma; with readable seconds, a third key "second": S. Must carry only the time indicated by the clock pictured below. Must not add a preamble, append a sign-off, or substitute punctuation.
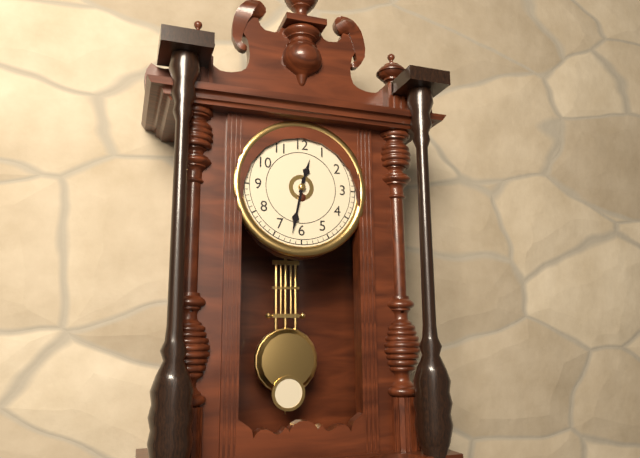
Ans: {"hour": 12, "minute": 32}
